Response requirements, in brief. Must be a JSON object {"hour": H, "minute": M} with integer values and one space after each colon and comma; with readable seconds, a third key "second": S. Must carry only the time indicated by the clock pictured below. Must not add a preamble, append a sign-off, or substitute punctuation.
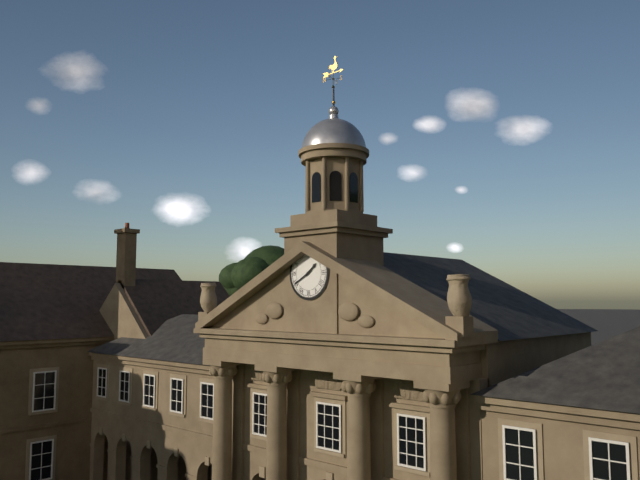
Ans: {"hour": 1, "minute": 40}
